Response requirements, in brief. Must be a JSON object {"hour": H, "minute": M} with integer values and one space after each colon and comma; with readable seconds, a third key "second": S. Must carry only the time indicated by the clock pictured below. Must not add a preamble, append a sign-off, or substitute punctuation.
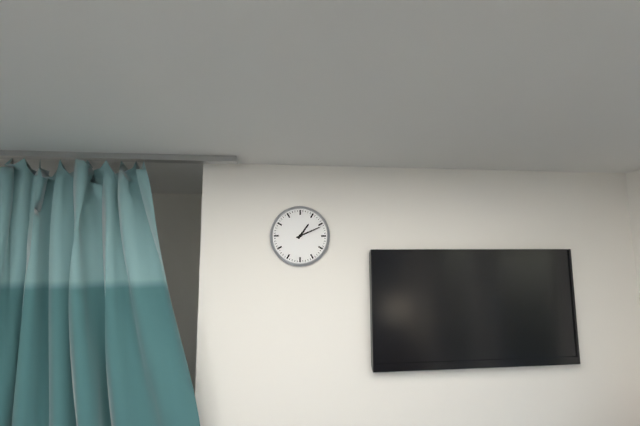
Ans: {"hour": 1, "minute": 11}
